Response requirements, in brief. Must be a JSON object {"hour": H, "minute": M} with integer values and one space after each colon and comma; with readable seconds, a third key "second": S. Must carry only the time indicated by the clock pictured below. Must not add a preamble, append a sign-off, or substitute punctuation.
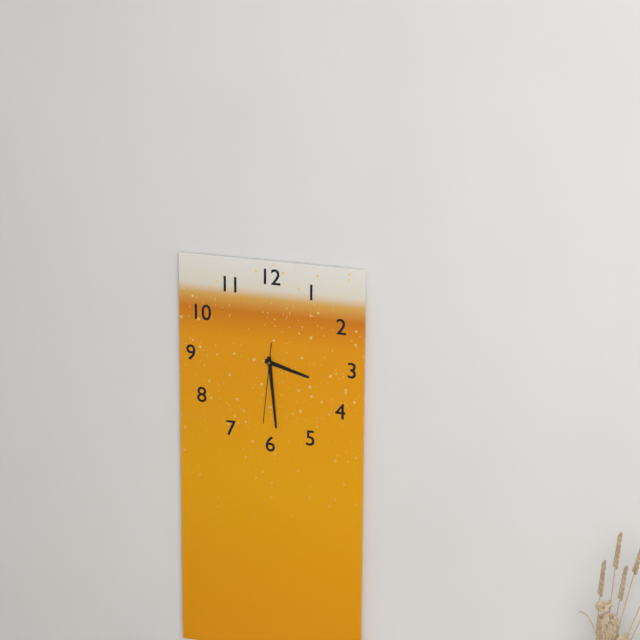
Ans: {"hour": 3, "minute": 29, "second": 31}
